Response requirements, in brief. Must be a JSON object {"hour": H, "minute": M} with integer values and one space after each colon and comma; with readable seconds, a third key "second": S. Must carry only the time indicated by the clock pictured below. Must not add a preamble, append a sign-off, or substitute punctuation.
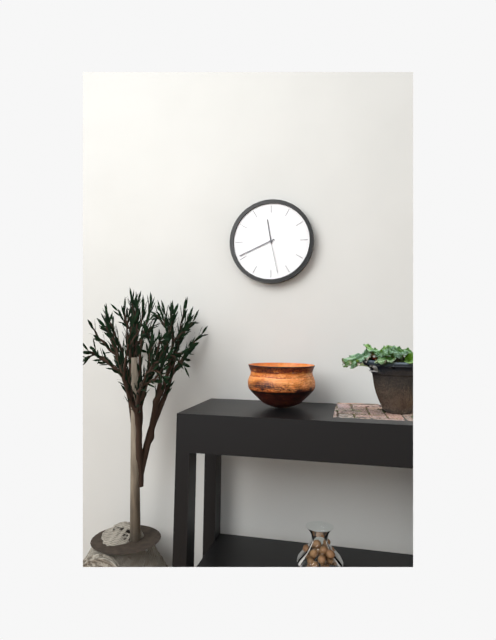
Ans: {"hour": 11, "minute": 41}
